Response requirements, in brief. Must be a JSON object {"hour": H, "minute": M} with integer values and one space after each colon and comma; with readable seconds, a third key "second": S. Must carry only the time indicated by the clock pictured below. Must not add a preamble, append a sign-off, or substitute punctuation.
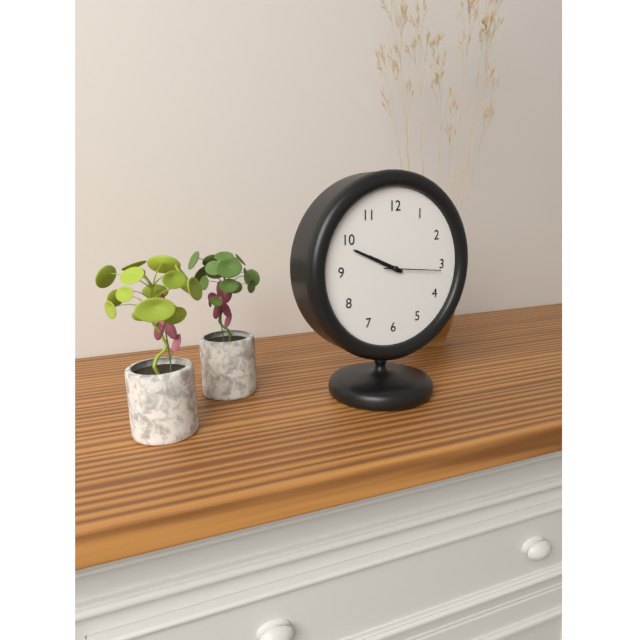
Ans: {"hour": 9, "minute": 49, "second": 16}
